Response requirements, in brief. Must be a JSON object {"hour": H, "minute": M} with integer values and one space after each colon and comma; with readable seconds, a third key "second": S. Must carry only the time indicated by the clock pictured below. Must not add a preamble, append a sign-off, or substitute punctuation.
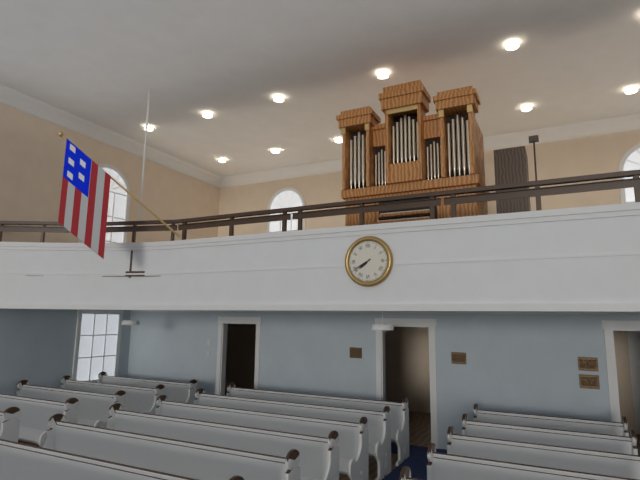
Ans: {"hour": 7, "minute": 40}
